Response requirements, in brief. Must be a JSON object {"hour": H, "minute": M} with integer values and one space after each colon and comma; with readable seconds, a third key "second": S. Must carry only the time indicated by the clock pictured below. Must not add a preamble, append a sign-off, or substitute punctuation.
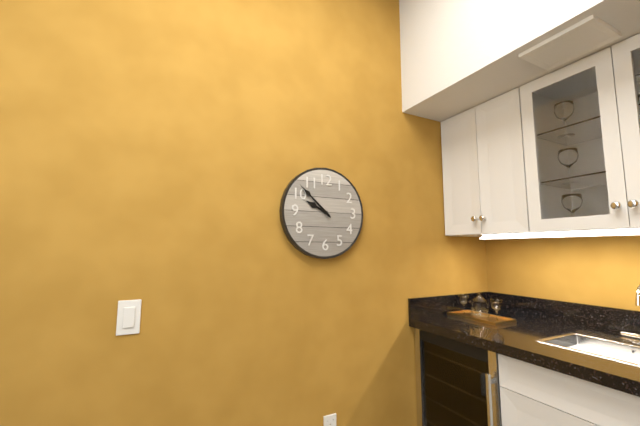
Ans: {"hour": 9, "minute": 52}
